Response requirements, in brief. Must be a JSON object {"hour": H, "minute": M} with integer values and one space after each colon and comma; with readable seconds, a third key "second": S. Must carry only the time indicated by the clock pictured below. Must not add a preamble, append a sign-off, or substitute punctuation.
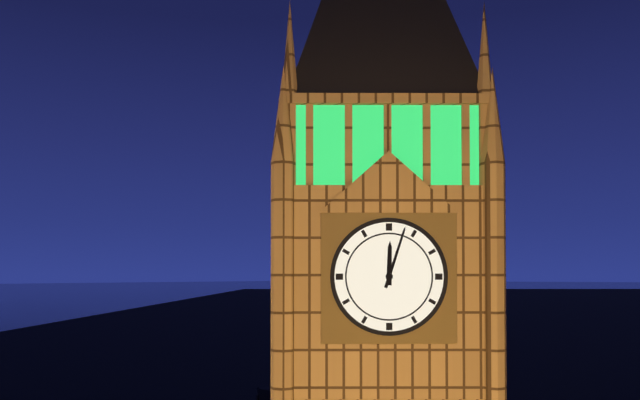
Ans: {"hour": 12, "minute": 3}
